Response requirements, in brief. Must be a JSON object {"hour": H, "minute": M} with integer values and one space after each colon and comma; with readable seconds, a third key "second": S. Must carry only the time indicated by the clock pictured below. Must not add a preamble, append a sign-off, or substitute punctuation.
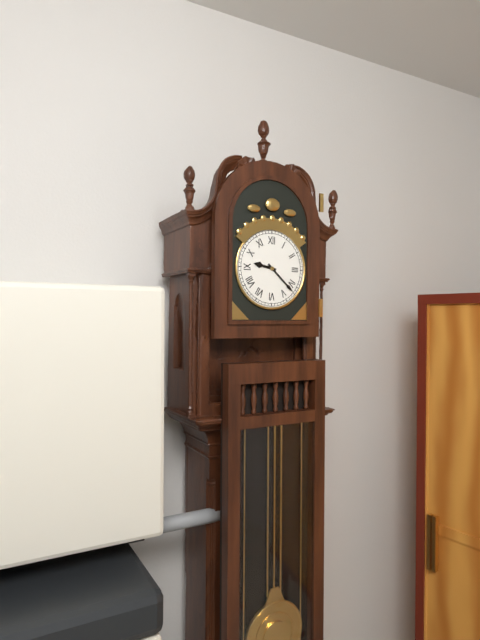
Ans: {"hour": 9, "minute": 22}
